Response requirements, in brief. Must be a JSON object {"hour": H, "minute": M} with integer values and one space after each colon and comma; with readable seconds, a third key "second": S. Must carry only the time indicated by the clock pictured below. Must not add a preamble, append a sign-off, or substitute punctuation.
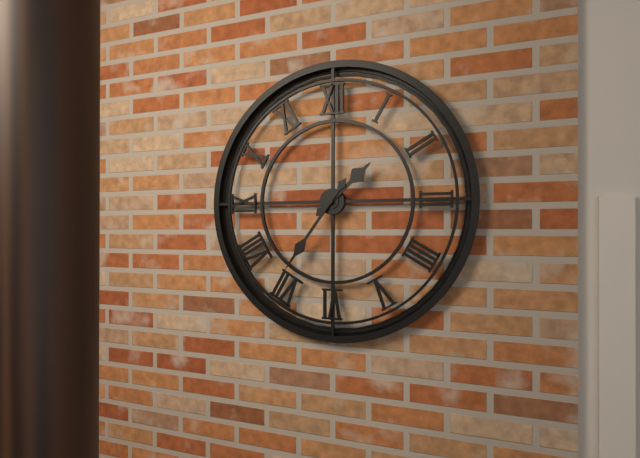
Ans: {"hour": 1, "minute": 36}
